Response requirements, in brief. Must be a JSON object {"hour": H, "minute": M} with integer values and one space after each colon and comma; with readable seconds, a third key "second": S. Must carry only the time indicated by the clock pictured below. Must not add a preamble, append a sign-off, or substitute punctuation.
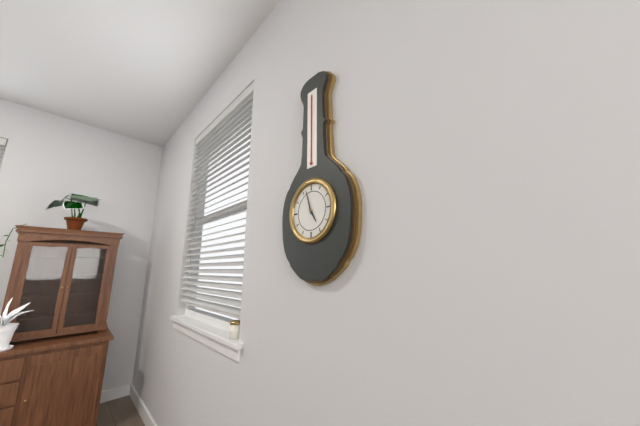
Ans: {"hour": 4, "minute": 57}
